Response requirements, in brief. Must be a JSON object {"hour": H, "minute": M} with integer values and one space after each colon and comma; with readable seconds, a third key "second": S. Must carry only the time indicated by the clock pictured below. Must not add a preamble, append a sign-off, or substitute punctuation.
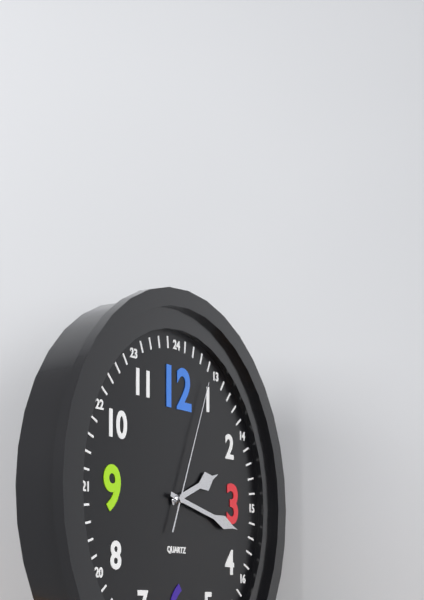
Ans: {"hour": 2, "minute": 17, "second": 4}
